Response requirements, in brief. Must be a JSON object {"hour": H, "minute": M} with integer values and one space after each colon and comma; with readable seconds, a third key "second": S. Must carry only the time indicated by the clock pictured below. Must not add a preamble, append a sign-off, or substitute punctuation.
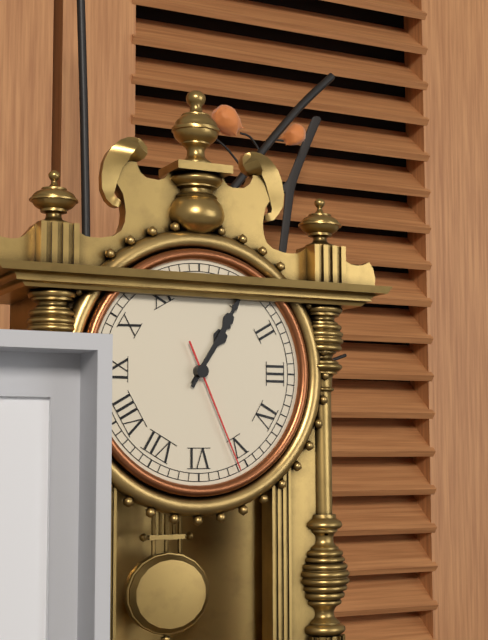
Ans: {"hour": 1, "minute": 5, "second": 26}
